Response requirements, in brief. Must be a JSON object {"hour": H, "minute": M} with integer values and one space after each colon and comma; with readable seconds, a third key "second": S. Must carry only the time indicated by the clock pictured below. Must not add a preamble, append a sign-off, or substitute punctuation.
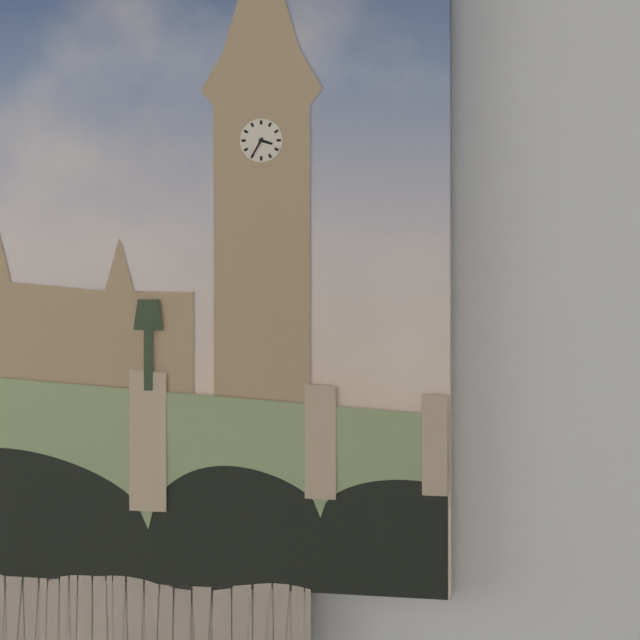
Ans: {"hour": 3, "minute": 35}
